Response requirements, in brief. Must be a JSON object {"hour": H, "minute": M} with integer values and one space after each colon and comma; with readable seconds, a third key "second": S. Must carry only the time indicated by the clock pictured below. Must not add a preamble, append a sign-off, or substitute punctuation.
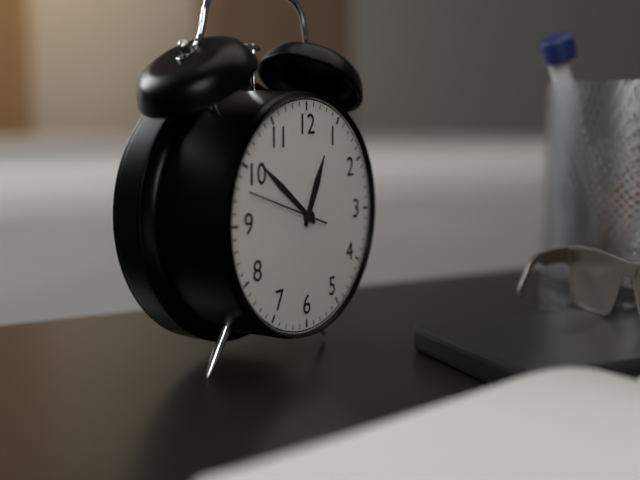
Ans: {"hour": 12, "minute": 51, "second": 48}
